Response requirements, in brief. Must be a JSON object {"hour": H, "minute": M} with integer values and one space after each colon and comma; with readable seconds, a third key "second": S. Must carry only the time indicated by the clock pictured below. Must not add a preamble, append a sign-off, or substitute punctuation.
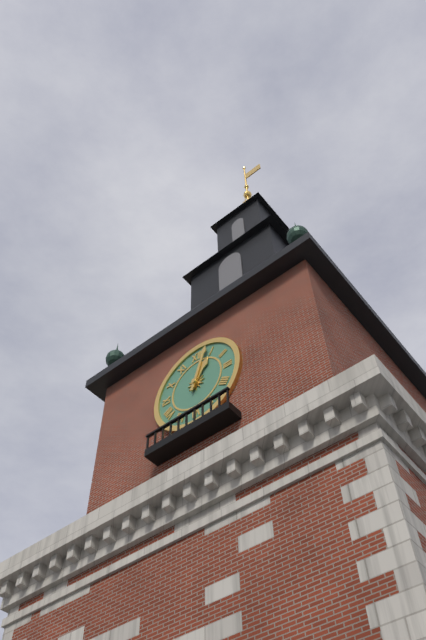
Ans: {"hour": 1, "minute": 3}
